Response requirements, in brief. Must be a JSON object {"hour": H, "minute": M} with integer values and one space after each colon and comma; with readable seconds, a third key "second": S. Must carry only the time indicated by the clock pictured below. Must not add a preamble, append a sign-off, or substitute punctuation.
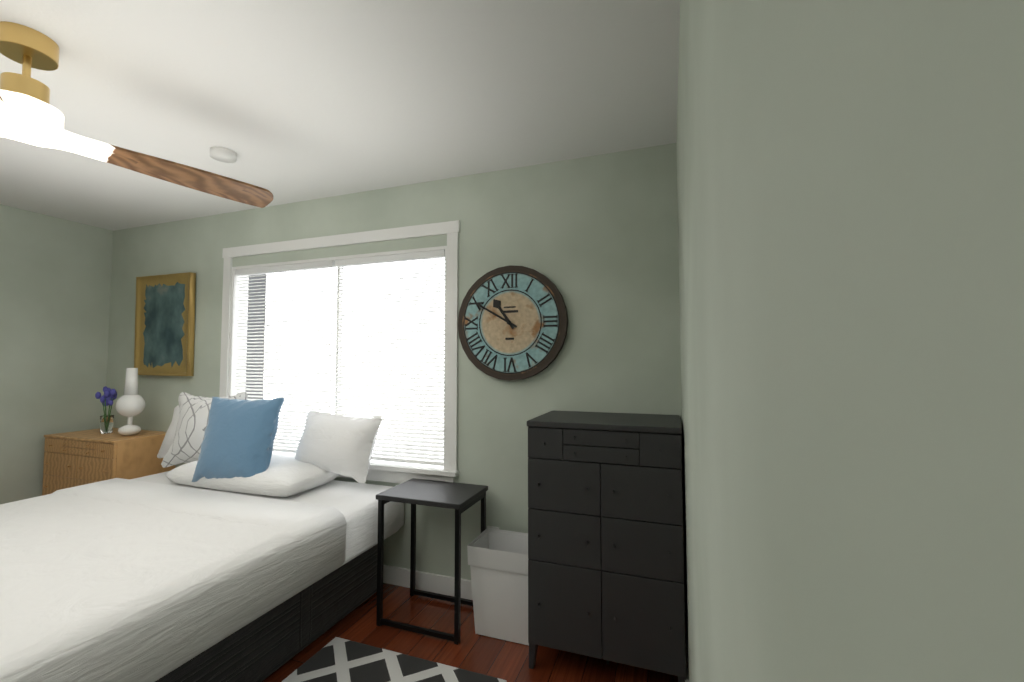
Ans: {"hour": 10, "minute": 50}
